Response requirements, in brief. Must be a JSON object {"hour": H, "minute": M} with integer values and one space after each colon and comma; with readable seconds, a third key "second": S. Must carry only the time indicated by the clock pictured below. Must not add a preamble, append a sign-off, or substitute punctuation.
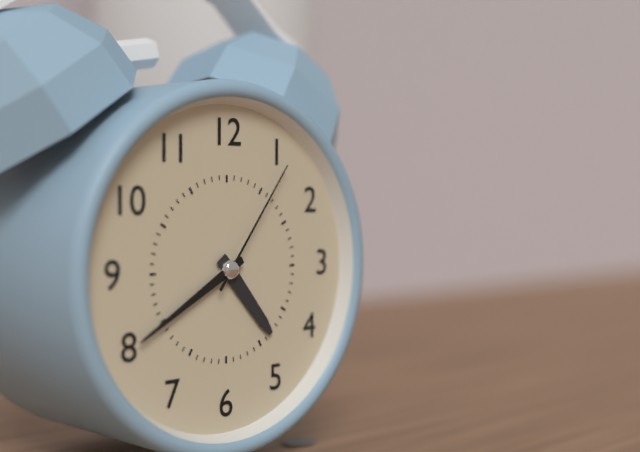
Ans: {"hour": 4, "minute": 40, "second": 6}
